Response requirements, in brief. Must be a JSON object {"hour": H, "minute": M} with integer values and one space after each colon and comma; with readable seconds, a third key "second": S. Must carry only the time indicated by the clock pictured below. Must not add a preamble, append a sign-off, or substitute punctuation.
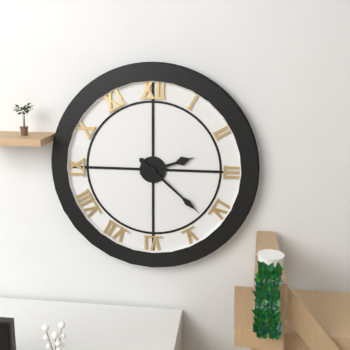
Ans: {"hour": 2, "minute": 22}
